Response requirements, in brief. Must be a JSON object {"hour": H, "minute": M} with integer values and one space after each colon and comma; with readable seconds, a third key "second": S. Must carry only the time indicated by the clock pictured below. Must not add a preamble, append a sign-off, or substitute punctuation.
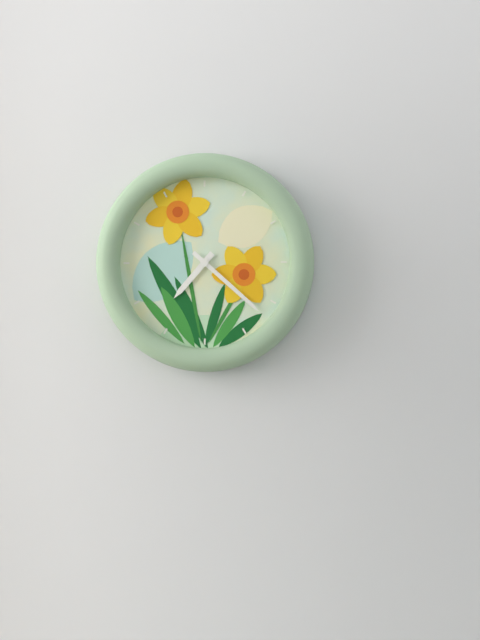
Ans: {"hour": 7, "minute": 22}
